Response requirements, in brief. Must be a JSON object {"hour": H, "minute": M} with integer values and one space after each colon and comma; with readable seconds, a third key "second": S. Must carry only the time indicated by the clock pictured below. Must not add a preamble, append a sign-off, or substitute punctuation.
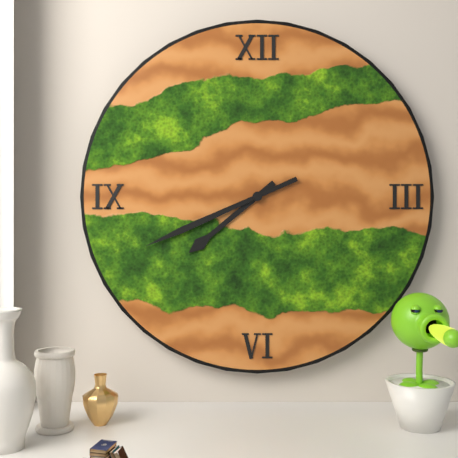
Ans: {"hour": 7, "minute": 41}
